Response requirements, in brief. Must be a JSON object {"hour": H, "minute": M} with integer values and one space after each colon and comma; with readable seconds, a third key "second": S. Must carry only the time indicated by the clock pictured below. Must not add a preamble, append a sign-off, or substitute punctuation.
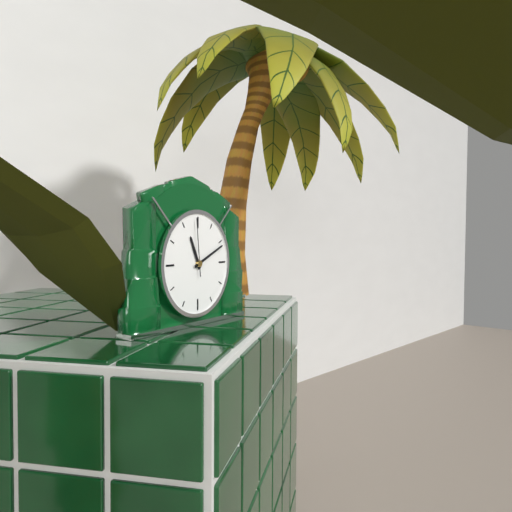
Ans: {"hour": 11, "minute": 11, "second": 59}
